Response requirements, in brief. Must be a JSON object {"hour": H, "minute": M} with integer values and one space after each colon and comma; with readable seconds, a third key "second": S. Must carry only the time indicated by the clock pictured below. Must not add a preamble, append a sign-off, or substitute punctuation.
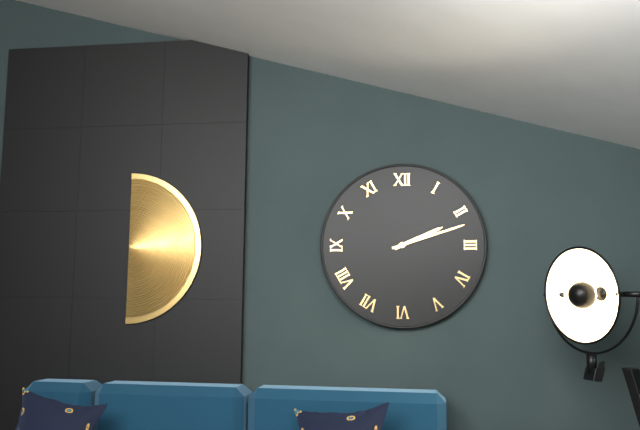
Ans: {"hour": 2, "minute": 12}
